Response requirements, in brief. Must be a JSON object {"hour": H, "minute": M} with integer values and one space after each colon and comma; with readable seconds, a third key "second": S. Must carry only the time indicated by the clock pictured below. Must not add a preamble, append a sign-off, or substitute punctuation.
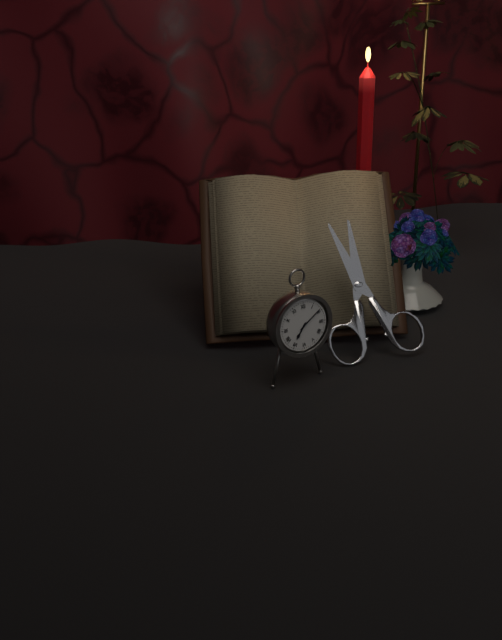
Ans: {"hour": 7, "minute": 9}
